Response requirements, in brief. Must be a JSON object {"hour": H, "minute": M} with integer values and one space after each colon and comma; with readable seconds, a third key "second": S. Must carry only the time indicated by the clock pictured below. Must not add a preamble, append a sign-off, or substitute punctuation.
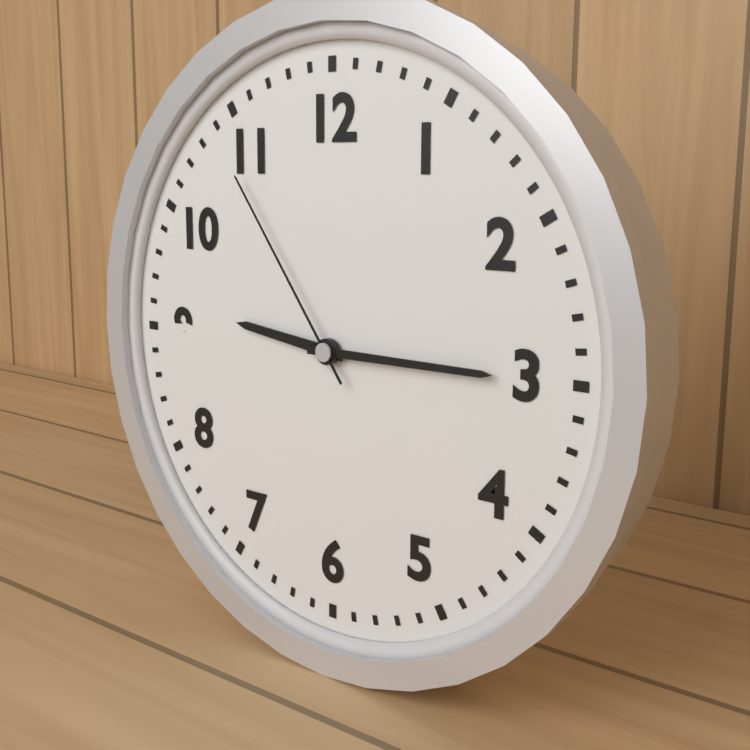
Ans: {"hour": 9, "minute": 15, "second": 54}
